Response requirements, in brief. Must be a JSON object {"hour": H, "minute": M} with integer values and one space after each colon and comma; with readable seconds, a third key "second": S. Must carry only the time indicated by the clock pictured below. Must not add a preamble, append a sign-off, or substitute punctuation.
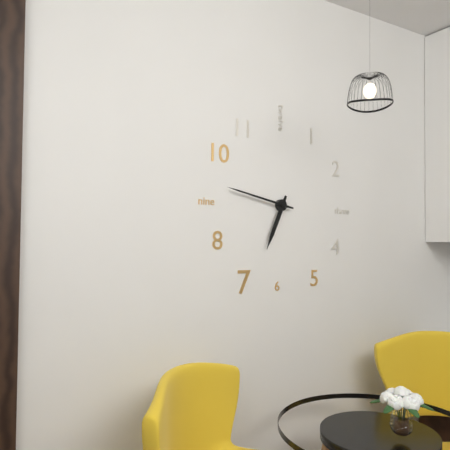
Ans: {"hour": 6, "minute": 47}
